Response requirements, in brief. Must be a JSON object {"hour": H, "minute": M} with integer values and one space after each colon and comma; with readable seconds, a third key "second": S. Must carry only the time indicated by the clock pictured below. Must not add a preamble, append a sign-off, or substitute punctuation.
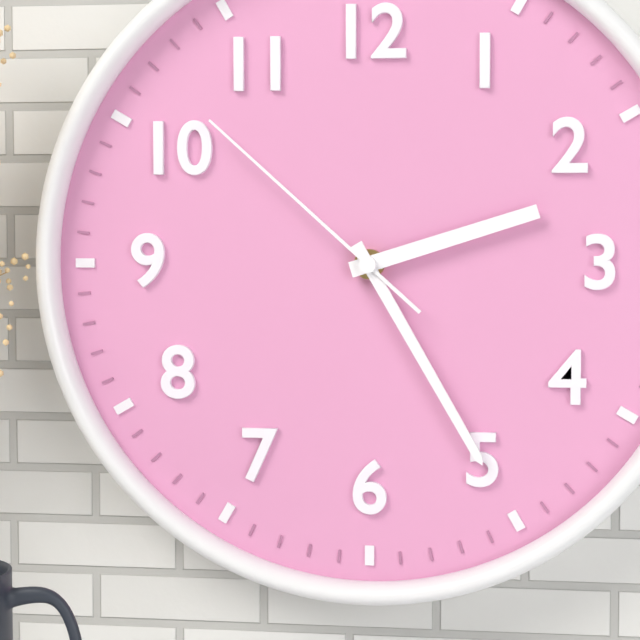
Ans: {"hour": 2, "minute": 25, "second": 52}
